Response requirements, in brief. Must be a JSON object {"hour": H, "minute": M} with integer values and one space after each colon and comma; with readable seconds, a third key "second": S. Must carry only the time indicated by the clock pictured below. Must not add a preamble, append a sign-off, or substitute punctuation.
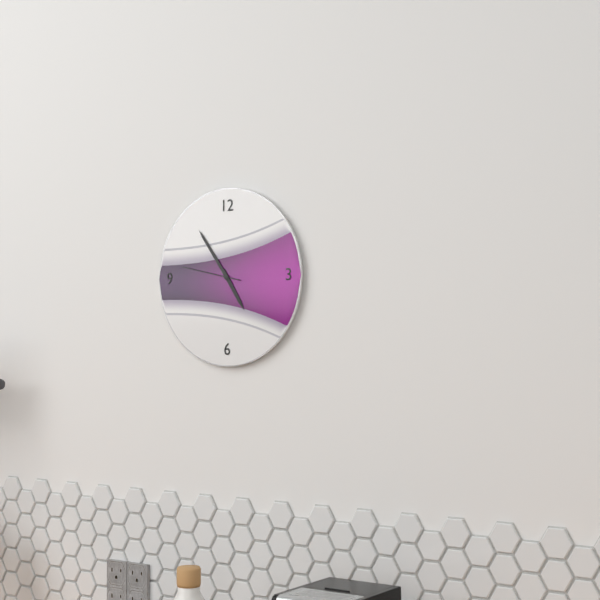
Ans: {"hour": 4, "minute": 54, "second": 47}
